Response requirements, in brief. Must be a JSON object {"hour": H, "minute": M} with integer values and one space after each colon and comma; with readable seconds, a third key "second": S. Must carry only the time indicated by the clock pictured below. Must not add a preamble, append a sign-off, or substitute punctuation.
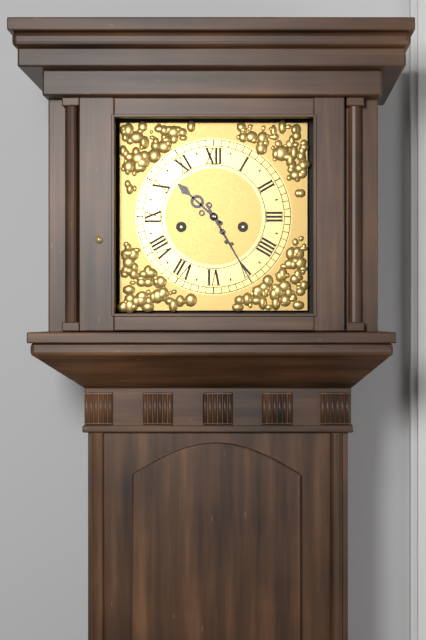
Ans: {"hour": 10, "minute": 25}
